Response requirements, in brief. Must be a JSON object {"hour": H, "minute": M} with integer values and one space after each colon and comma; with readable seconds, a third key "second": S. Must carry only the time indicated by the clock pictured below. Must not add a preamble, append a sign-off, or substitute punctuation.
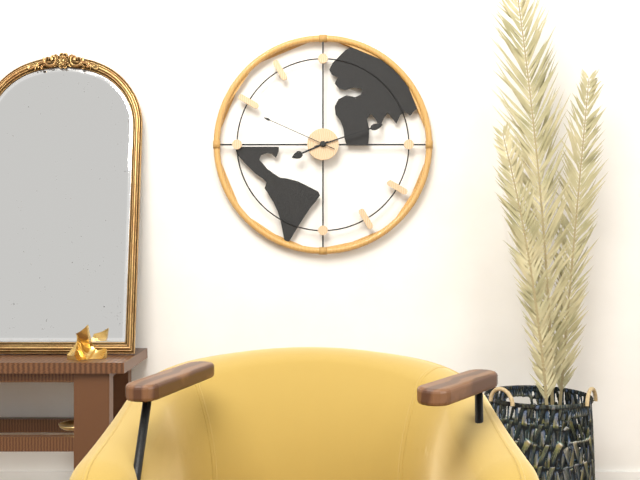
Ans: {"hour": 8, "minute": 12, "second": 49}
